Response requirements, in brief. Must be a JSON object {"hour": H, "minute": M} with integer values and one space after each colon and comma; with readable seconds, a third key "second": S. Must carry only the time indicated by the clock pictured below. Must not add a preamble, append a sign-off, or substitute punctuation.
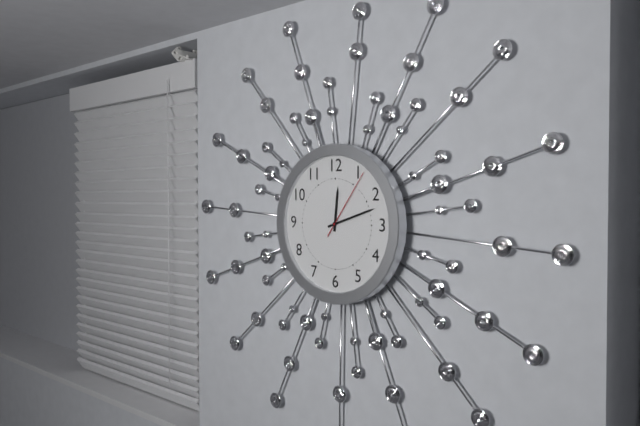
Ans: {"hour": 12, "minute": 12, "second": 6}
